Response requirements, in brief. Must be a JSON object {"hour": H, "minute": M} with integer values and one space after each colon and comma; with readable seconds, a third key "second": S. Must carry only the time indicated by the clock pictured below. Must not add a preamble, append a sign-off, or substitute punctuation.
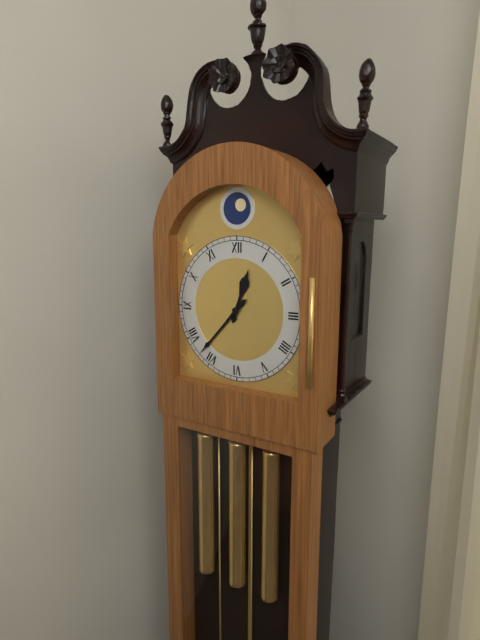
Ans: {"hour": 12, "minute": 37}
